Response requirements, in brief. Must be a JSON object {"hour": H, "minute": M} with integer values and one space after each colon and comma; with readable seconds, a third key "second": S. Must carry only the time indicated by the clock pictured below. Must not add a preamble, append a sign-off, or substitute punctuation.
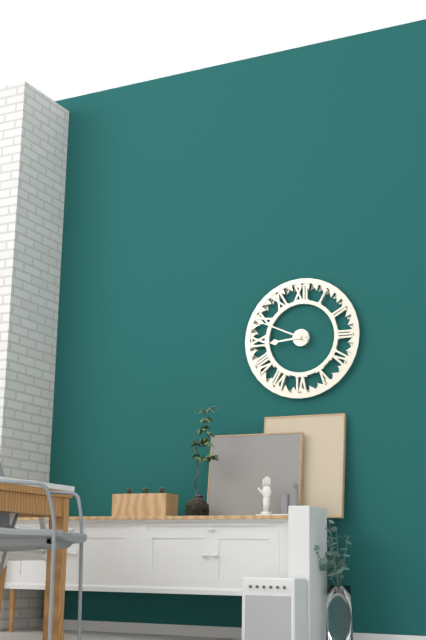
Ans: {"hour": 8, "minute": 49}
